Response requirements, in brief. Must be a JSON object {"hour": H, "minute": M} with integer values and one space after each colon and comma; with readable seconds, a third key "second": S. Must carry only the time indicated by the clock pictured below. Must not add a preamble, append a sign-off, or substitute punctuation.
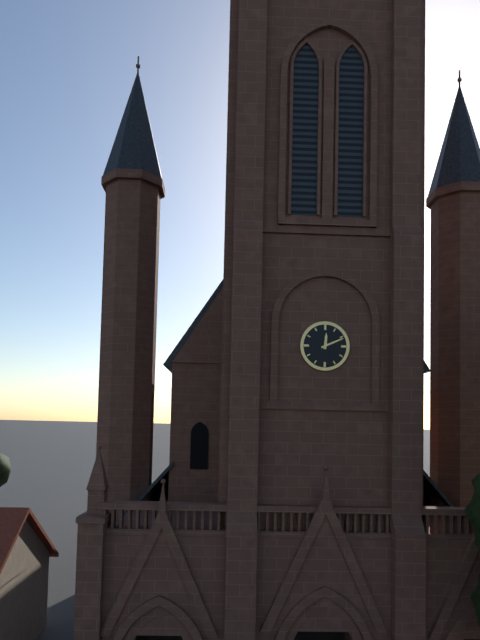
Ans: {"hour": 12, "minute": 11}
